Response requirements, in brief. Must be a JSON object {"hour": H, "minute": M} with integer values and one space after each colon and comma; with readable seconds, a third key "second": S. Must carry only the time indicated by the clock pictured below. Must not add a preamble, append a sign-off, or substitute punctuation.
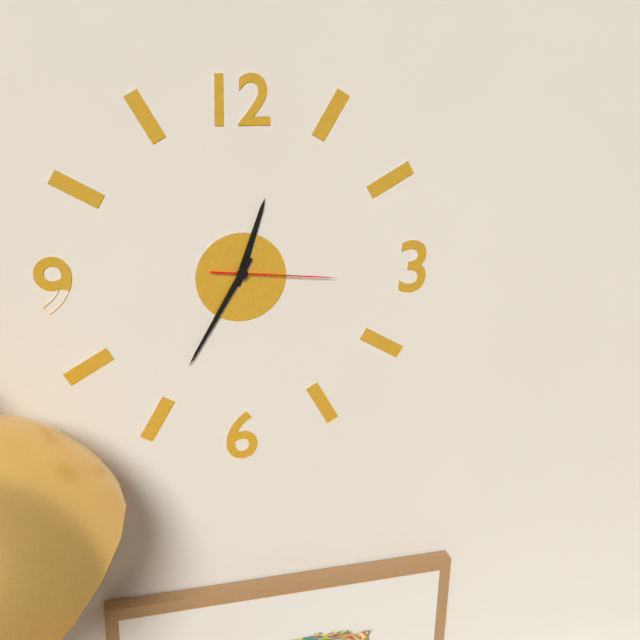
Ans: {"hour": 12, "minute": 35, "second": 16}
